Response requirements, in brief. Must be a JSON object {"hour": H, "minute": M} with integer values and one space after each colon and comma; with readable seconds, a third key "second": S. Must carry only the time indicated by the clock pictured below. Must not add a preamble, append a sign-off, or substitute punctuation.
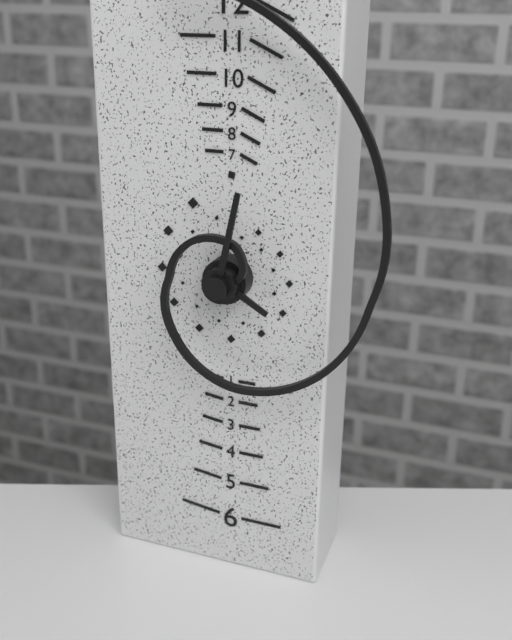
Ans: {"hour": 4, "minute": 2}
